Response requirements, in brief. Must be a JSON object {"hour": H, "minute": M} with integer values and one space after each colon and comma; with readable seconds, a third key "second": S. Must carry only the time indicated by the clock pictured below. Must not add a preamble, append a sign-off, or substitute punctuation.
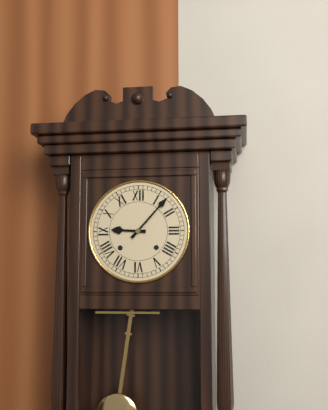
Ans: {"hour": 9, "minute": 7}
